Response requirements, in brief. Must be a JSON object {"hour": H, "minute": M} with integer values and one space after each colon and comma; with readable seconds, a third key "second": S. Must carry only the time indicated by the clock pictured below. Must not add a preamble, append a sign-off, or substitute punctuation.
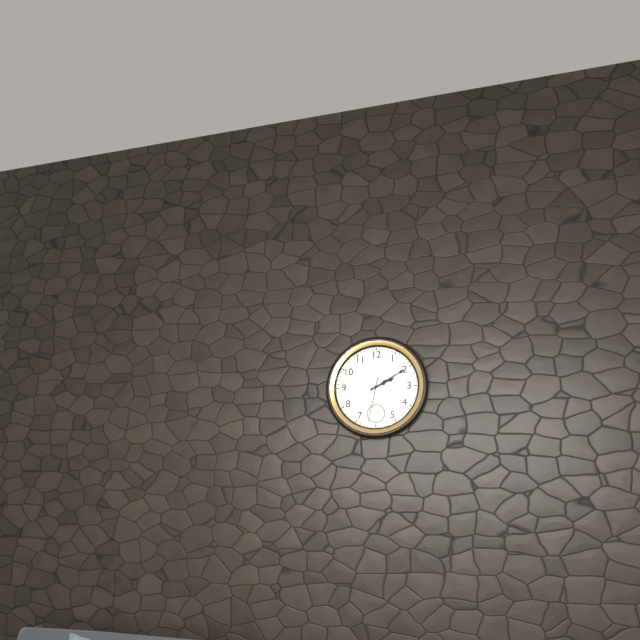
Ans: {"hour": 2, "minute": 10}
